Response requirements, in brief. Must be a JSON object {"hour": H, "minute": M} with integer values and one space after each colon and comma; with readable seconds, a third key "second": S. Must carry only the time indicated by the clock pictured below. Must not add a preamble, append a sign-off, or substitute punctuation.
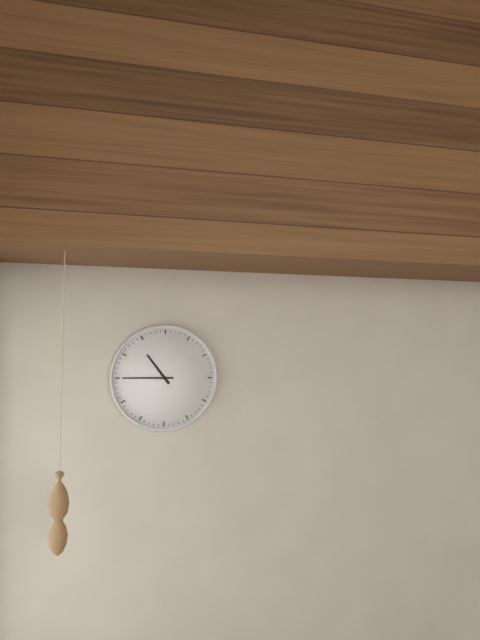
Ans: {"hour": 10, "minute": 45}
